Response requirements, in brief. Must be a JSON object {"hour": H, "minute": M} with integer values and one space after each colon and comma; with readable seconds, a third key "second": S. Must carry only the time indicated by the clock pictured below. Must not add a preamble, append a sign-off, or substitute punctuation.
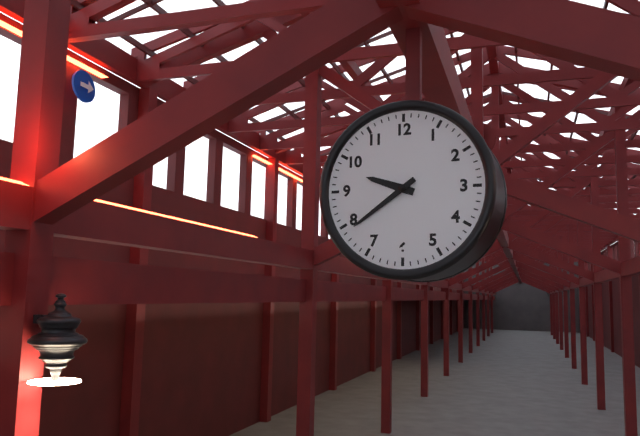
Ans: {"hour": 9, "minute": 39}
